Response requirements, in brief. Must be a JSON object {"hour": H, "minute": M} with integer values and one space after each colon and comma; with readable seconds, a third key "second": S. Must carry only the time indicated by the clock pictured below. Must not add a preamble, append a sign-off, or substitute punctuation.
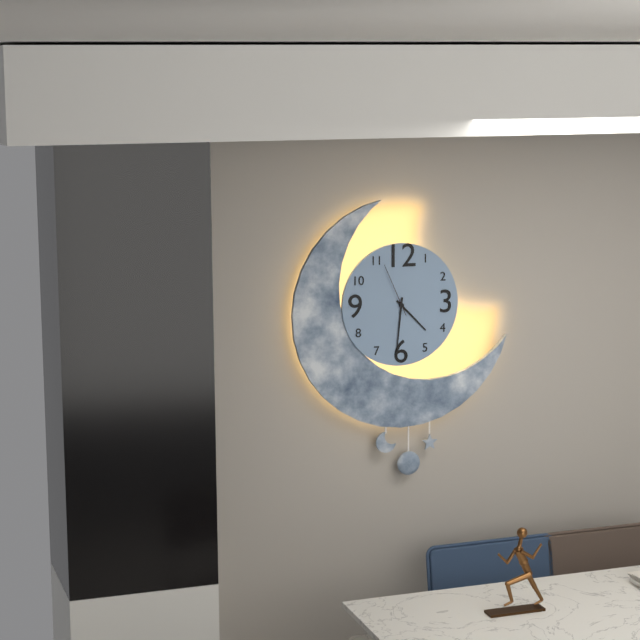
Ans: {"hour": 4, "minute": 31}
